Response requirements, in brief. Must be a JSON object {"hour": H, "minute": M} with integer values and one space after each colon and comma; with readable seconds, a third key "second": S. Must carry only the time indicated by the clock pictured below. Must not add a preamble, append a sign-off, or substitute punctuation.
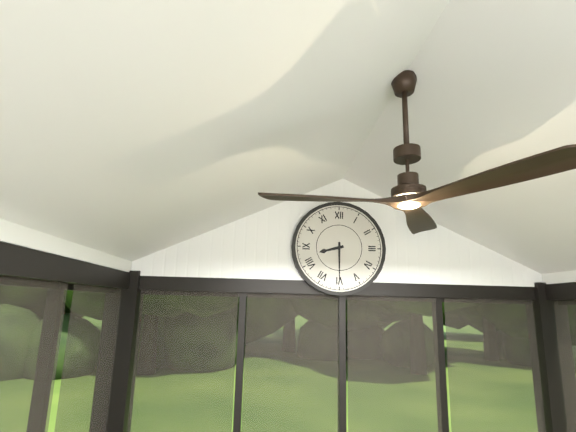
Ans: {"hour": 8, "minute": 30}
